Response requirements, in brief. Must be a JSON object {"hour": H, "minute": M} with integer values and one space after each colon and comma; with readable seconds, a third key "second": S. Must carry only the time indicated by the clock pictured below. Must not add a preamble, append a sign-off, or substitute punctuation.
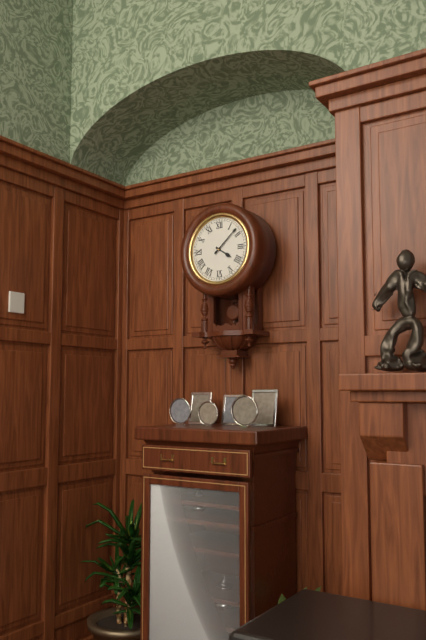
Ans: {"hour": 4, "minute": 8}
